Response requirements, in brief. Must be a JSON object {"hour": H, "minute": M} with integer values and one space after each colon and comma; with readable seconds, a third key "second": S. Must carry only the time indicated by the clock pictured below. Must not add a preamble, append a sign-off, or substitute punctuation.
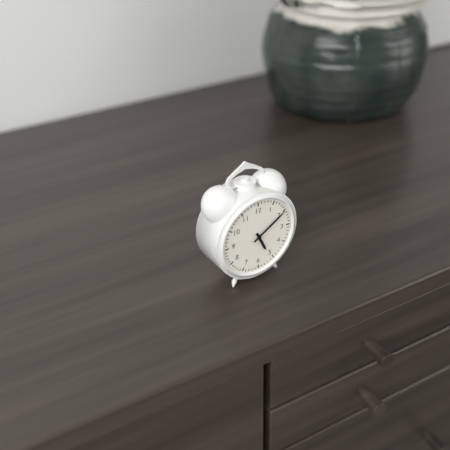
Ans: {"hour": 5, "minute": 10}
